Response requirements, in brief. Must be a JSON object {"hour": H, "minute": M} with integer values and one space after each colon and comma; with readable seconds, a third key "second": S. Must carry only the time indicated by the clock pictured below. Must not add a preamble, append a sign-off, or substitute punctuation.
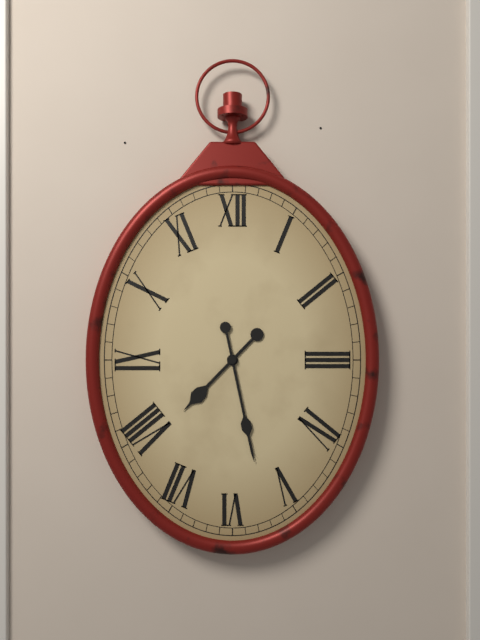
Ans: {"hour": 7, "minute": 28}
